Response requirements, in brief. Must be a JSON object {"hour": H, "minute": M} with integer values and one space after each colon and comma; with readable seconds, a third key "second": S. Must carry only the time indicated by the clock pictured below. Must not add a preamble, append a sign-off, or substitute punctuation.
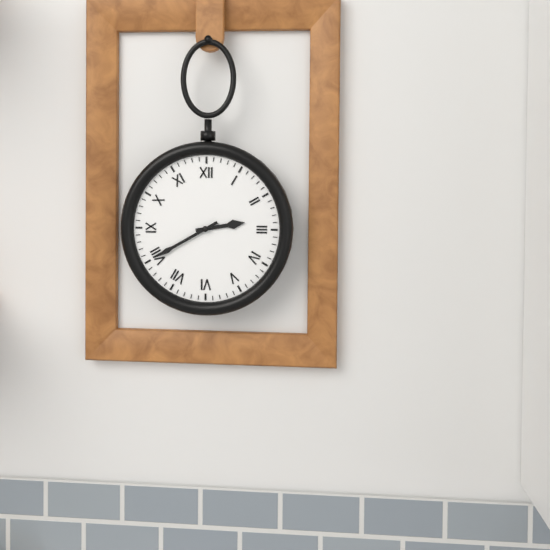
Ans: {"hour": 2, "minute": 40}
